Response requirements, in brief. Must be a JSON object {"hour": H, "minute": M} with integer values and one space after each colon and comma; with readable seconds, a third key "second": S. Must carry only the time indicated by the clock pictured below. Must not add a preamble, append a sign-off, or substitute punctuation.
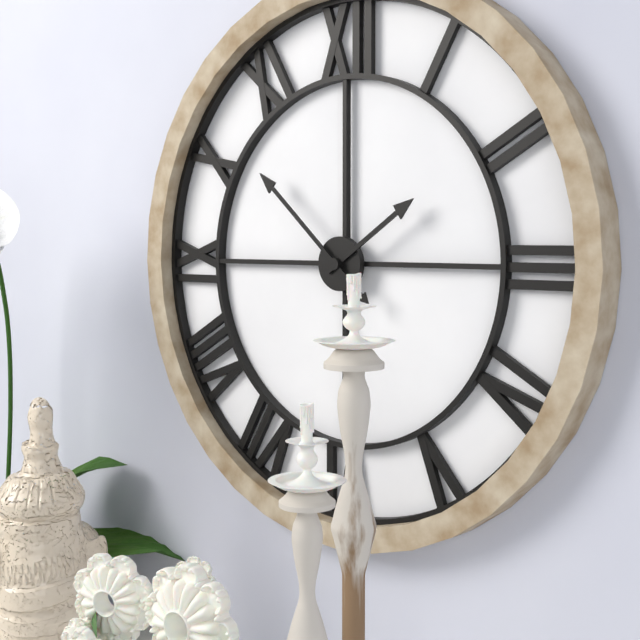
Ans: {"hour": 1, "minute": 52}
